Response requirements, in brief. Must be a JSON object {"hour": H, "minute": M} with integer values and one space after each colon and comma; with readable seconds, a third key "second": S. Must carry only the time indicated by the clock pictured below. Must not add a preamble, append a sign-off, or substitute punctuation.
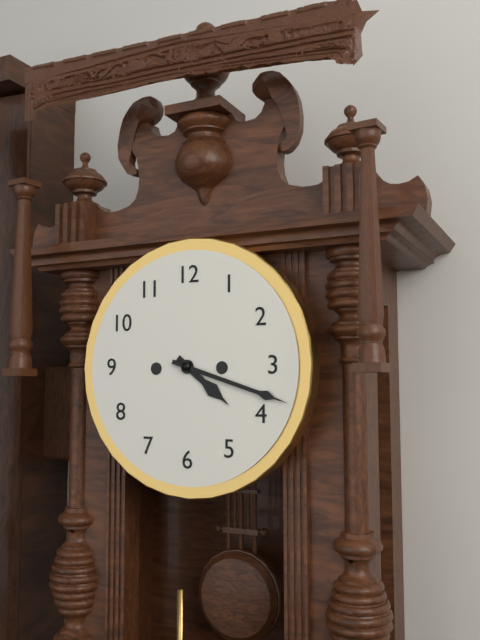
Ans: {"hour": 4, "minute": 18}
